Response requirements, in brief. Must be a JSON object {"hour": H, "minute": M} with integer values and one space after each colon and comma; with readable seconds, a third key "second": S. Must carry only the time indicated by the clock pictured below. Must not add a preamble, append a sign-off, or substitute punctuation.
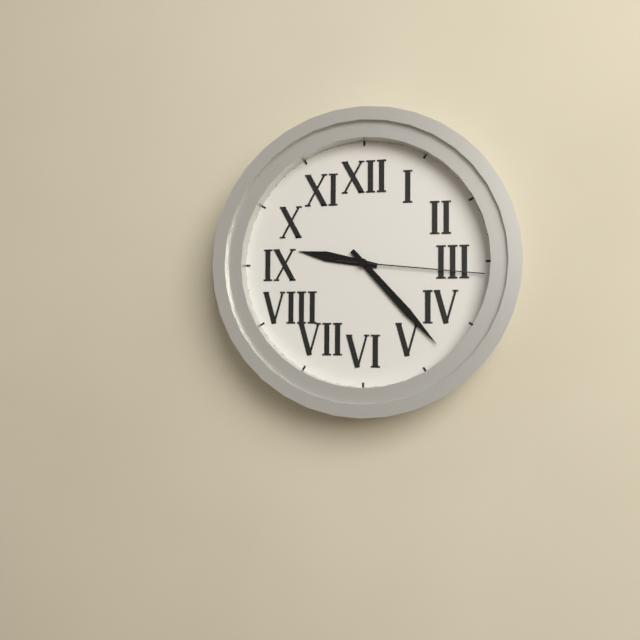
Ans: {"hour": 9, "minute": 23, "second": 16}
